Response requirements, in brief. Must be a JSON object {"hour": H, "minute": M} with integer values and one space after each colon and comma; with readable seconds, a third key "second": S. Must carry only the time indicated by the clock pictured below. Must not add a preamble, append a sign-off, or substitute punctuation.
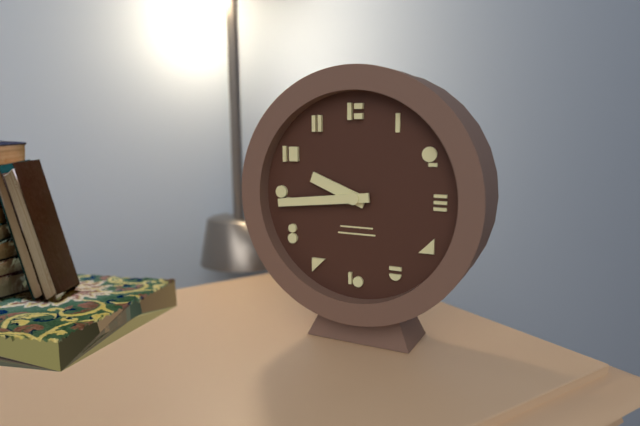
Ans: {"hour": 9, "minute": 44}
